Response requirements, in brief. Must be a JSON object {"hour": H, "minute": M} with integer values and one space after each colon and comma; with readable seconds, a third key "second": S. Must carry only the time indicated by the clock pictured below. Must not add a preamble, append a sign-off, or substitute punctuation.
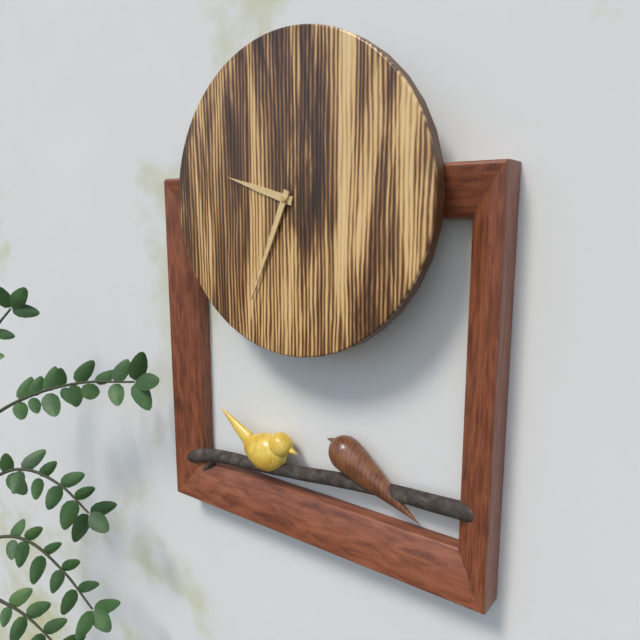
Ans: {"hour": 9, "minute": 34}
